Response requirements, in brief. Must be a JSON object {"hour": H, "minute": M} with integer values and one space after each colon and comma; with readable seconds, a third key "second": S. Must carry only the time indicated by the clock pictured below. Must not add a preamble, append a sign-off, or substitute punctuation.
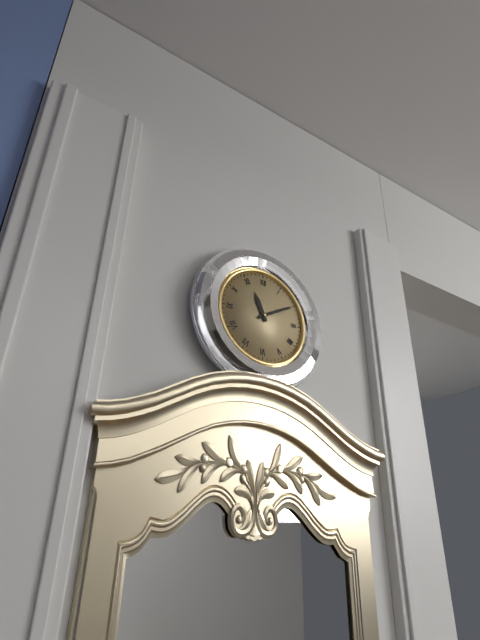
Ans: {"hour": 11, "minute": 10}
